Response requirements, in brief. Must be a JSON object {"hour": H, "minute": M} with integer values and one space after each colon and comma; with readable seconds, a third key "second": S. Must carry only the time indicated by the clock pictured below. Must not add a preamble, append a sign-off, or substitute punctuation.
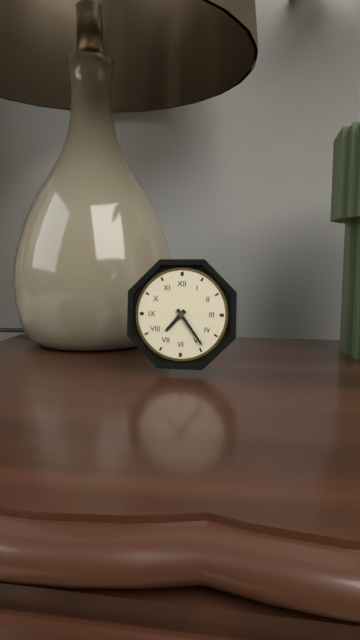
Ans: {"hour": 7, "minute": 24}
